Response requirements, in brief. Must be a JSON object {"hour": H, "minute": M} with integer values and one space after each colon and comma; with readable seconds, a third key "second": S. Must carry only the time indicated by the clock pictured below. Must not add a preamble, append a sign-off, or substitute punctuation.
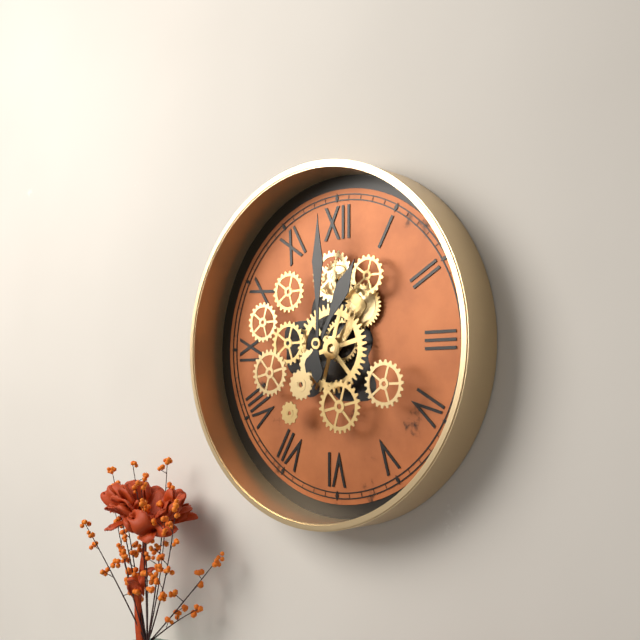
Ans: {"hour": 1, "minute": 0}
